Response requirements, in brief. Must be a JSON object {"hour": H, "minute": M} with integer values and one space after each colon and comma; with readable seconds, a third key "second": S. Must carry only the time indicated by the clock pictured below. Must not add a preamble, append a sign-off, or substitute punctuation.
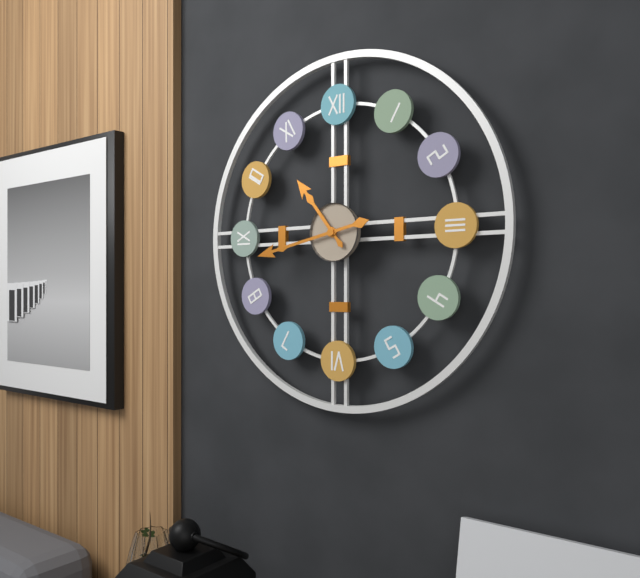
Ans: {"hour": 10, "minute": 43}
